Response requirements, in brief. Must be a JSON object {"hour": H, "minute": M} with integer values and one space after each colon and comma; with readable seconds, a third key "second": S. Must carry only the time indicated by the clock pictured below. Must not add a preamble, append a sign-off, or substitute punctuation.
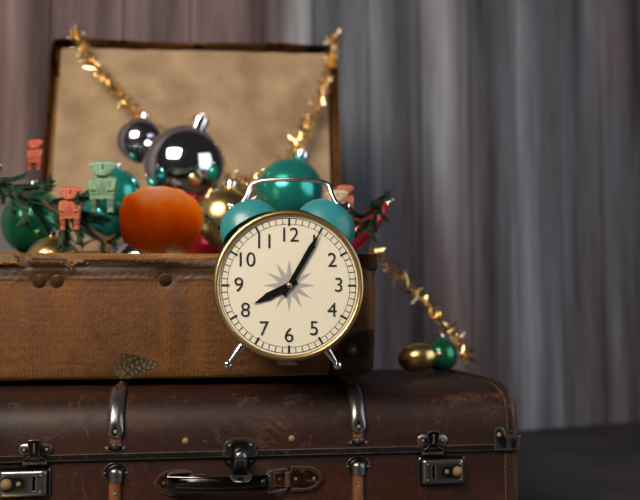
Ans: {"hour": 8, "minute": 5}
